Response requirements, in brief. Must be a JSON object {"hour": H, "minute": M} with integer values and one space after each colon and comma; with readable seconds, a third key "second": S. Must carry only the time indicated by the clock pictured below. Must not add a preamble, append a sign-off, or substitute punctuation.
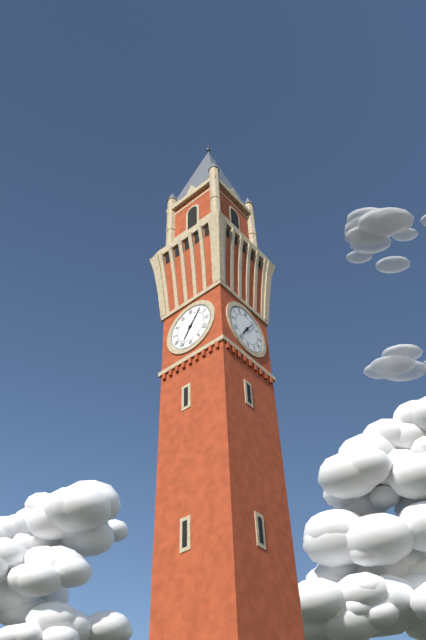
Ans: {"hour": 7, "minute": 6}
